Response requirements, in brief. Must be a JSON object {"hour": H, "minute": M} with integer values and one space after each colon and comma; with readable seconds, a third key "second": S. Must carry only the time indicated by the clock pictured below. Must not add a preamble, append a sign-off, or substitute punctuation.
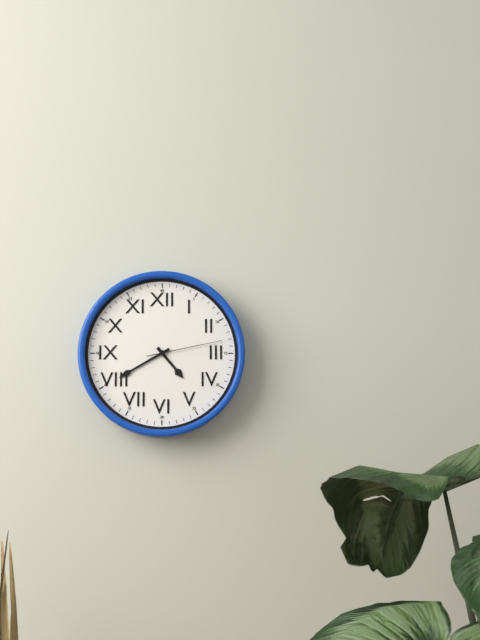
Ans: {"hour": 4, "minute": 40, "second": 13}
